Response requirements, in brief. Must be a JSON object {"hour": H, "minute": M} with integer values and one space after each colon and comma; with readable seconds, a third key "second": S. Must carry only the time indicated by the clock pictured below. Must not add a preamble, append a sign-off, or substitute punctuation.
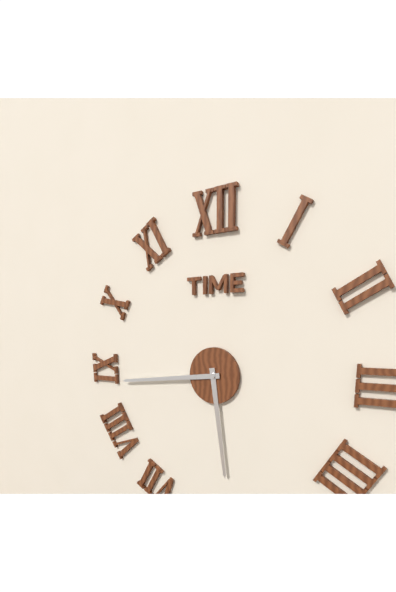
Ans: {"hour": 5, "minute": 44}
